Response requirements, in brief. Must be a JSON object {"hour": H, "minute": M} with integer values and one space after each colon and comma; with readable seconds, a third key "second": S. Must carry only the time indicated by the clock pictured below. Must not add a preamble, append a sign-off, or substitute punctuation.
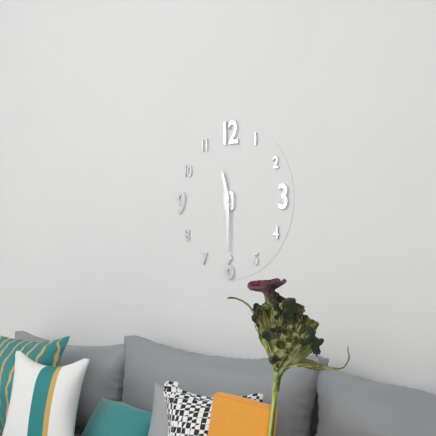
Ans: {"hour": 11, "minute": 30}
